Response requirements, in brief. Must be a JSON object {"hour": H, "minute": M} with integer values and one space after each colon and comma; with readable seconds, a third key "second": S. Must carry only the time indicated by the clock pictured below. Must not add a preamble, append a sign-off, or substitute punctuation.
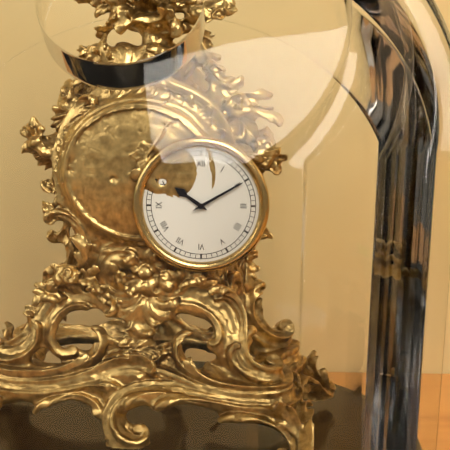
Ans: {"hour": 10, "minute": 10}
